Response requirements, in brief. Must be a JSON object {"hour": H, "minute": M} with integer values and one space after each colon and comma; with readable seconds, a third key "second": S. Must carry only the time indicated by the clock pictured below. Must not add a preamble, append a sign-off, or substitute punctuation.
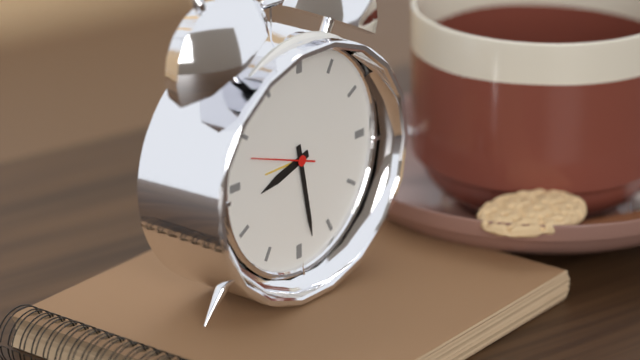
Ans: {"hour": 8, "minute": 28, "second": 48}
